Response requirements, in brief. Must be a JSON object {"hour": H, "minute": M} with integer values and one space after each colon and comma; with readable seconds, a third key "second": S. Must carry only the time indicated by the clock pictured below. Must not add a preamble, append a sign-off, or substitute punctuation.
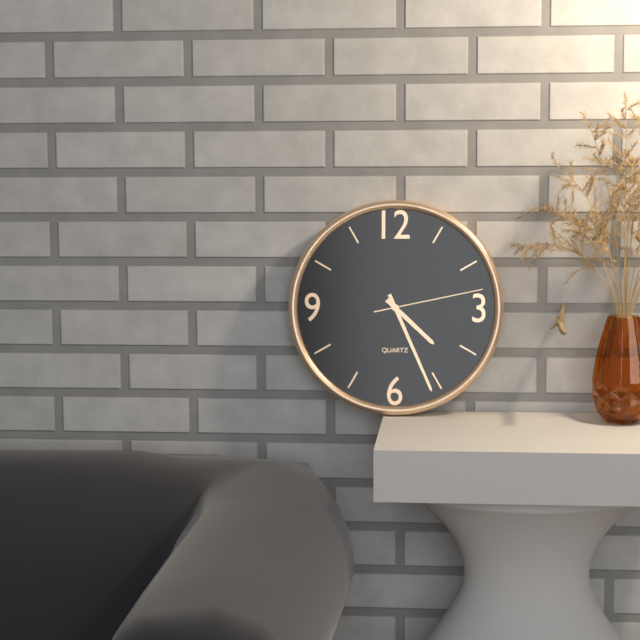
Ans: {"hour": 4, "minute": 26, "second": 13}
